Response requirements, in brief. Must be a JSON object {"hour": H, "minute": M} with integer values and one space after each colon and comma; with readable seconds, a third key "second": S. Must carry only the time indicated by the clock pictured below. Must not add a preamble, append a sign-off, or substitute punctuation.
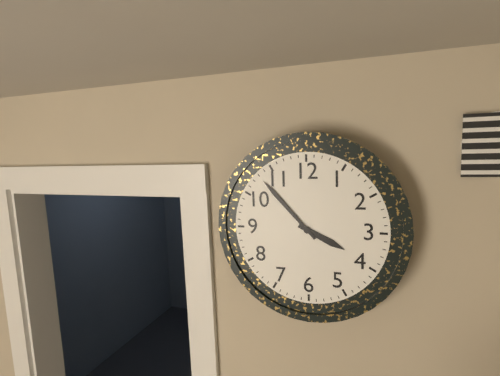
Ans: {"hour": 3, "minute": 53}
